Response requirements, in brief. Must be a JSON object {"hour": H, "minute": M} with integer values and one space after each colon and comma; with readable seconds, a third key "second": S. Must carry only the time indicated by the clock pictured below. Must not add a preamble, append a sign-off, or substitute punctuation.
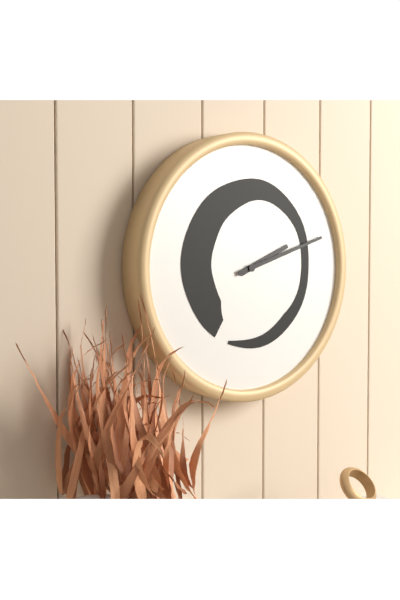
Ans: {"hour": 2, "minute": 12}
